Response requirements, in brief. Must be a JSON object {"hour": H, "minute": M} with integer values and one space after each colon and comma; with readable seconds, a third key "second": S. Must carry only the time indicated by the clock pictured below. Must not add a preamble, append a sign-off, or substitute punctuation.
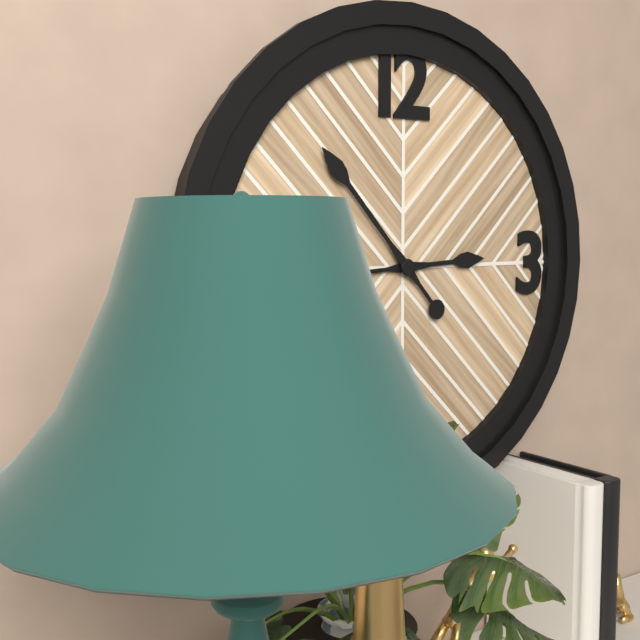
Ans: {"hour": 2, "minute": 53}
